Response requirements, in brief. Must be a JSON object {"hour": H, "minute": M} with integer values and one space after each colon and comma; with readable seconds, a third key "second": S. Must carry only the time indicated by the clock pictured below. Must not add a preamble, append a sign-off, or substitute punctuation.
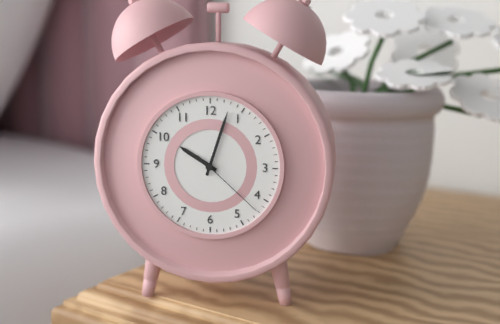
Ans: {"hour": 10, "minute": 3, "second": 22}
